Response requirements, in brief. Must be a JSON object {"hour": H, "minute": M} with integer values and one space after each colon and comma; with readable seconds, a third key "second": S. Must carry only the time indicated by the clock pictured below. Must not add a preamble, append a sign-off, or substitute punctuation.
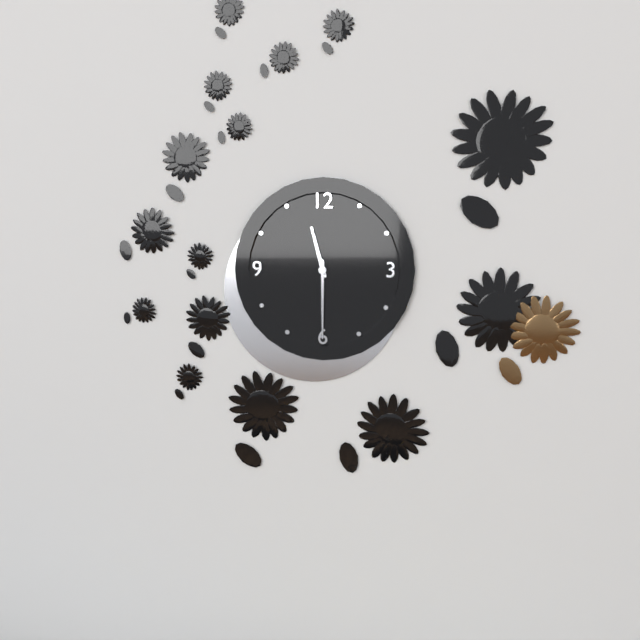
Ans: {"hour": 11, "minute": 30}
